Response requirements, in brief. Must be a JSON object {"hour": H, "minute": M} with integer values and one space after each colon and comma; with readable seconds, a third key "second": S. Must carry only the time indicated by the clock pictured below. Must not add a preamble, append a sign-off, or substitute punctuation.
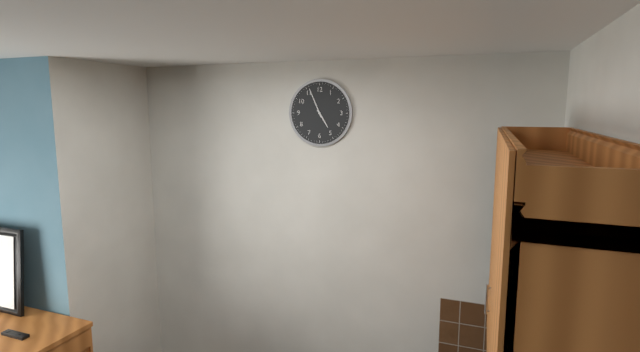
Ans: {"hour": 4, "minute": 56}
